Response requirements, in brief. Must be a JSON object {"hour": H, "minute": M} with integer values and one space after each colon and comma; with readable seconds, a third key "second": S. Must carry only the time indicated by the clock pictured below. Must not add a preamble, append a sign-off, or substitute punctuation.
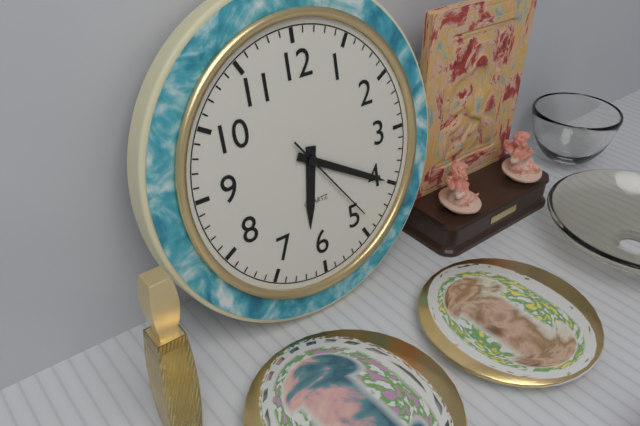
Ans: {"hour": 6, "minute": 20, "second": 24}
